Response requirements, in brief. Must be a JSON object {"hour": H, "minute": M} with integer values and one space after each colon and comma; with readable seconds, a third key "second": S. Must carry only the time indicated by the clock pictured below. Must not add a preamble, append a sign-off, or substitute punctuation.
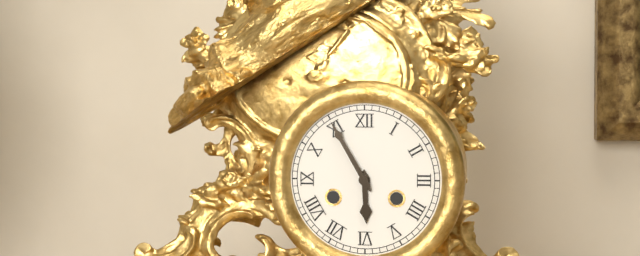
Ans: {"hour": 5, "minute": 55}
